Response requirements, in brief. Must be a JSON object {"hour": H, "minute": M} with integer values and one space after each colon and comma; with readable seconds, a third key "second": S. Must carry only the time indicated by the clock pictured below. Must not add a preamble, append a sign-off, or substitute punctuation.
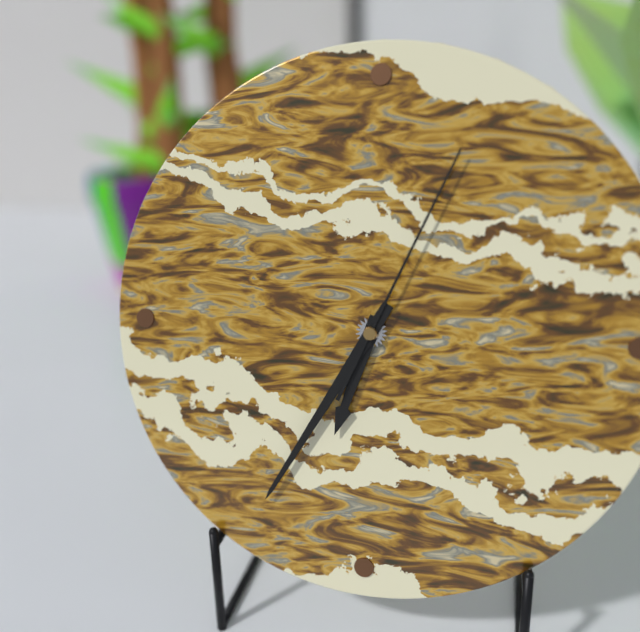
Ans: {"hour": 6, "minute": 35, "second": 4}
